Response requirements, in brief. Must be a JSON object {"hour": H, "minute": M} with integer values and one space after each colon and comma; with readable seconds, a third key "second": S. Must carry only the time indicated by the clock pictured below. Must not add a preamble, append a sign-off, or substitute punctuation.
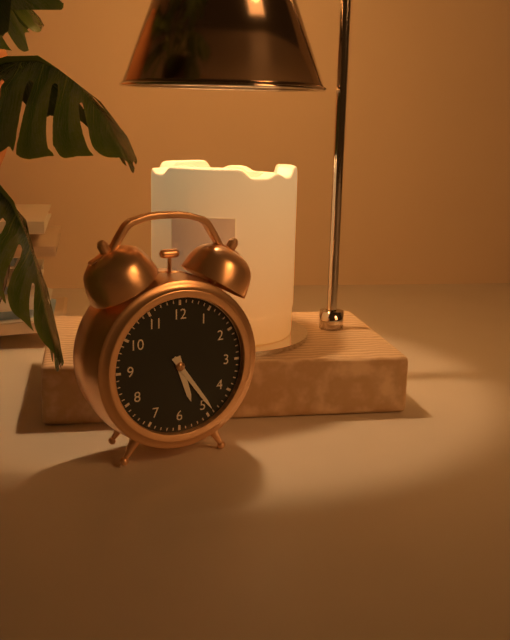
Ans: {"hour": 5, "minute": 24}
